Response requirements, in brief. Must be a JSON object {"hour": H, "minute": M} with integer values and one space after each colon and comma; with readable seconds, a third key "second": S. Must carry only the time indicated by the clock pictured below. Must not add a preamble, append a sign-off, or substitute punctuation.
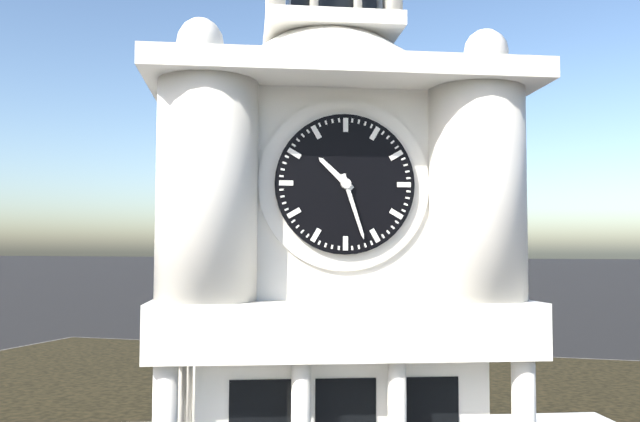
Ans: {"hour": 10, "minute": 27}
